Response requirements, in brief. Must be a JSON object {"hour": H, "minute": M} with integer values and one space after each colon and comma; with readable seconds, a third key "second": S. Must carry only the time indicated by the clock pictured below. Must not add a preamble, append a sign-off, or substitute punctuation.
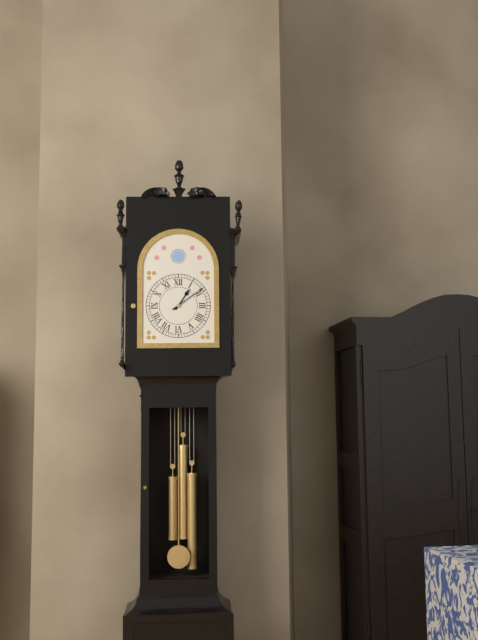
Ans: {"hour": 1, "minute": 9}
